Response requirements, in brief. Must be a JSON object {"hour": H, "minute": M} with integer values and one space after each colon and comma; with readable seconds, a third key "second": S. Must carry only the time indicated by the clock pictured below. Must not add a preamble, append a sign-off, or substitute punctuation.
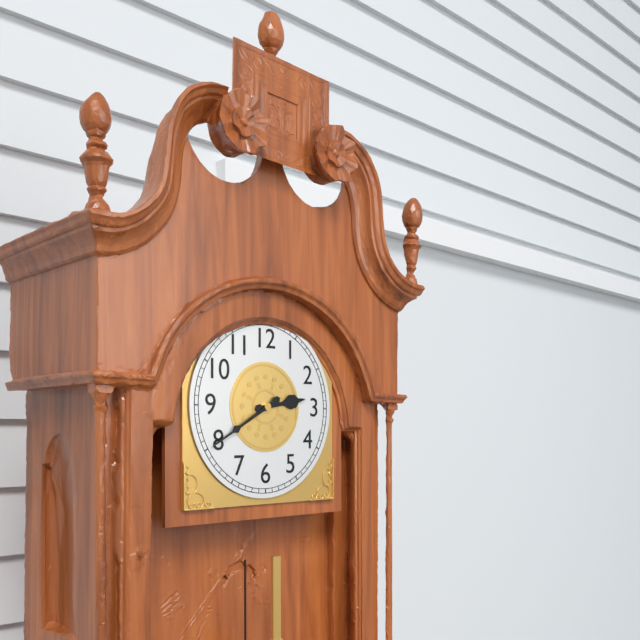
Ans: {"hour": 2, "minute": 40}
